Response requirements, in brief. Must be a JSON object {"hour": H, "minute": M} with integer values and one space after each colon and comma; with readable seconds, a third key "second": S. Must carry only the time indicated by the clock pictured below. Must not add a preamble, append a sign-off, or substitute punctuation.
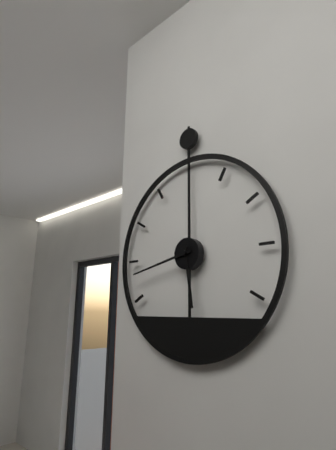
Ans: {"hour": 5, "minute": 43}
